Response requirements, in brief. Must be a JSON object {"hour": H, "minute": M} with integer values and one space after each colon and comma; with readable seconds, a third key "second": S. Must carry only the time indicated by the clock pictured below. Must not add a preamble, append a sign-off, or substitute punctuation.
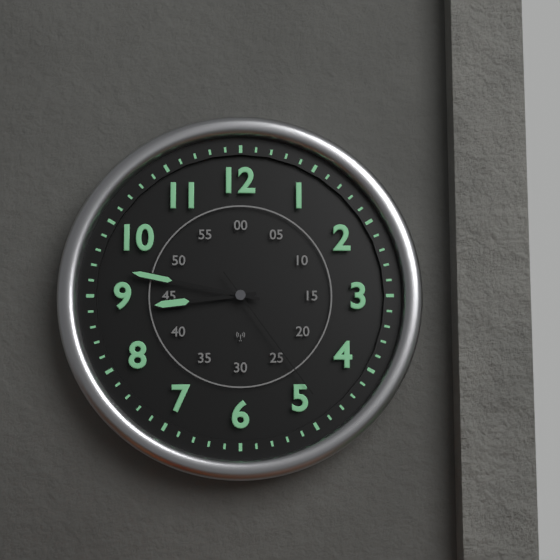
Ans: {"hour": 8, "minute": 47, "second": 24}
